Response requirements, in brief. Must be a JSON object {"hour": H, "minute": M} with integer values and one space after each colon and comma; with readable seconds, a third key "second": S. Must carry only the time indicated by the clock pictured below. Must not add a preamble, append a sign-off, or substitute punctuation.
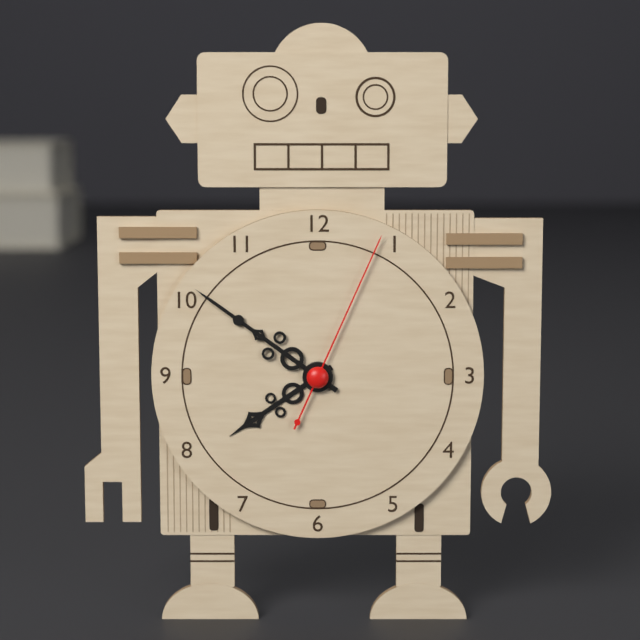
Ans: {"hour": 7, "minute": 51, "second": 4}
